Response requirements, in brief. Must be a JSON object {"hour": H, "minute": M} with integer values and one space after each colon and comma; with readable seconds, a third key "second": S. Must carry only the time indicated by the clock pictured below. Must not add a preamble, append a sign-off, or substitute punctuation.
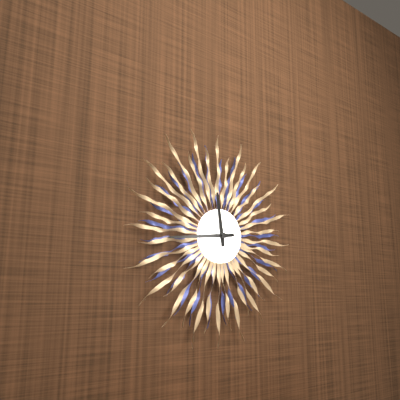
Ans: {"hour": 11, "minute": 44}
